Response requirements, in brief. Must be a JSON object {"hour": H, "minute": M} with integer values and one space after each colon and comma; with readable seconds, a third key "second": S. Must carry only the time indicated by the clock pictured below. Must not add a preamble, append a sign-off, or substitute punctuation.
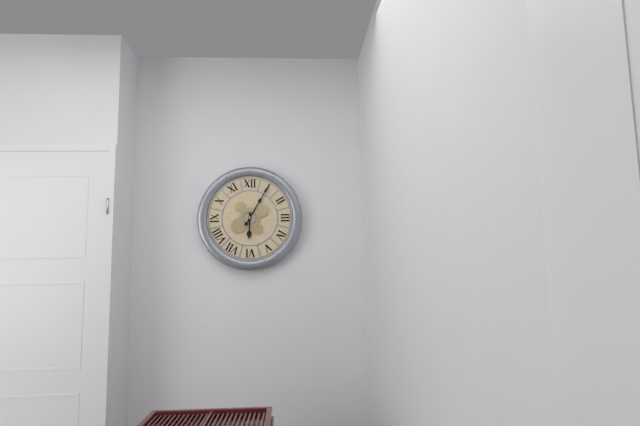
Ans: {"hour": 6, "minute": 5}
